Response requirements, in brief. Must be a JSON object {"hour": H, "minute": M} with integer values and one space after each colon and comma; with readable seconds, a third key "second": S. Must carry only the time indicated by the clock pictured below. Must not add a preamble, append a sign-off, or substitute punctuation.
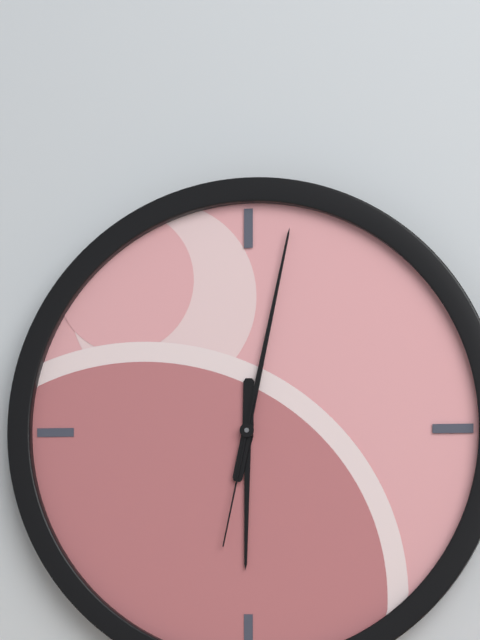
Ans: {"hour": 6, "minute": 2, "second": 32}
